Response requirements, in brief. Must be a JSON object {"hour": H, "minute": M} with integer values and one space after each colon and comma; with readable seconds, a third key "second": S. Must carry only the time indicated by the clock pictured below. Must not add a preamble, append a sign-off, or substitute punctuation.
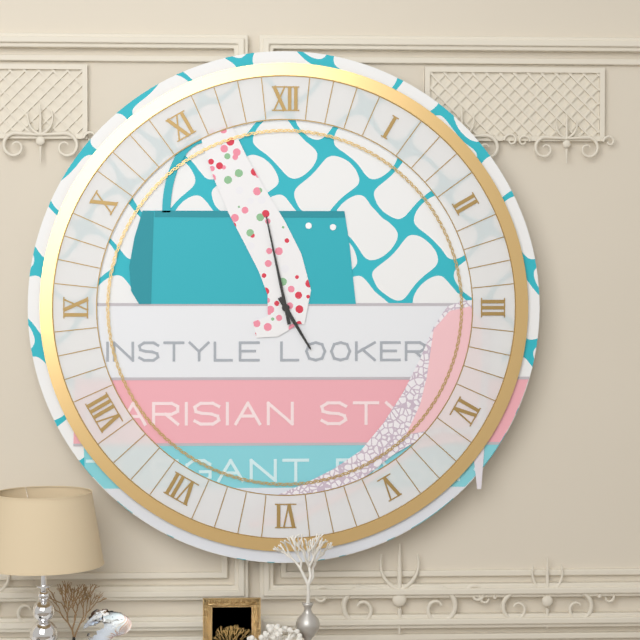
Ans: {"hour": 4, "minute": 58}
